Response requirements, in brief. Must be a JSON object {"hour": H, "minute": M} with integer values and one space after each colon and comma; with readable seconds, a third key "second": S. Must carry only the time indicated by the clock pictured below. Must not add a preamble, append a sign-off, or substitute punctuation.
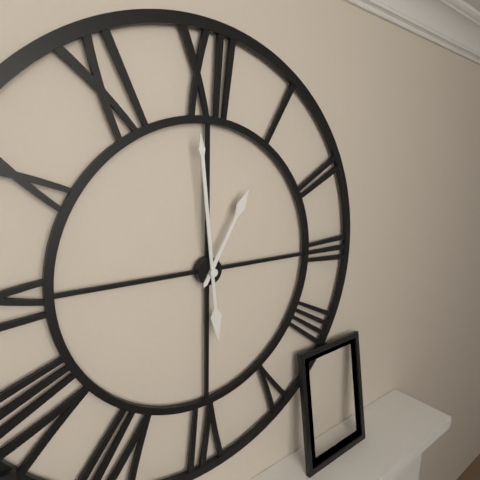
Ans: {"hour": 12, "minute": 59}
